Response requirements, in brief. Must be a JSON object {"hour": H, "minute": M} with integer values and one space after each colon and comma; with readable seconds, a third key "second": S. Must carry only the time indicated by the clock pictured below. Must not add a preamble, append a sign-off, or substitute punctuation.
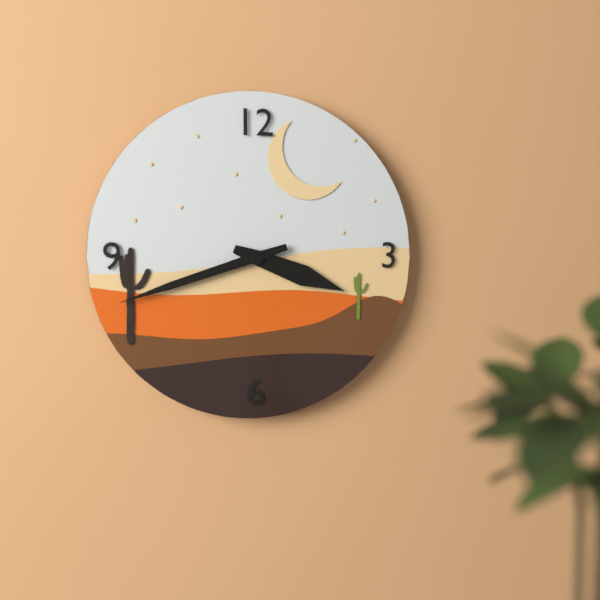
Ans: {"hour": 3, "minute": 42}
